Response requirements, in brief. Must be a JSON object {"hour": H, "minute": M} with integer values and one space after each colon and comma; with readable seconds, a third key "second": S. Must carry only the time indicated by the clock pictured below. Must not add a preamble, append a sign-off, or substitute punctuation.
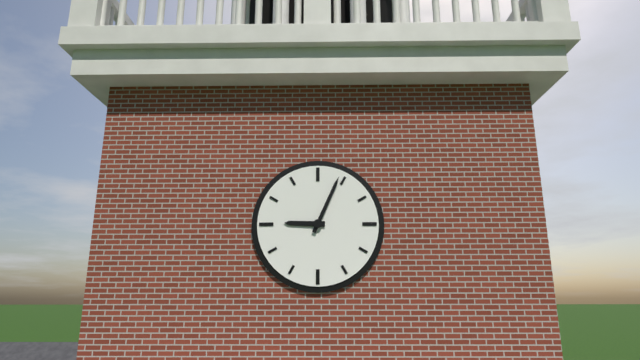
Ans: {"hour": 9, "minute": 4}
